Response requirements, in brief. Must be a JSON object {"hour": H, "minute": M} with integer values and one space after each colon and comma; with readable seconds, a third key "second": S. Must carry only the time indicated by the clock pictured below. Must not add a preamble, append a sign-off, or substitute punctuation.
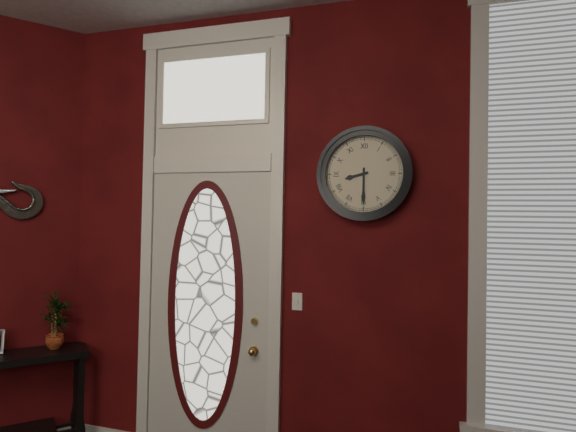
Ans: {"hour": 8, "minute": 30}
